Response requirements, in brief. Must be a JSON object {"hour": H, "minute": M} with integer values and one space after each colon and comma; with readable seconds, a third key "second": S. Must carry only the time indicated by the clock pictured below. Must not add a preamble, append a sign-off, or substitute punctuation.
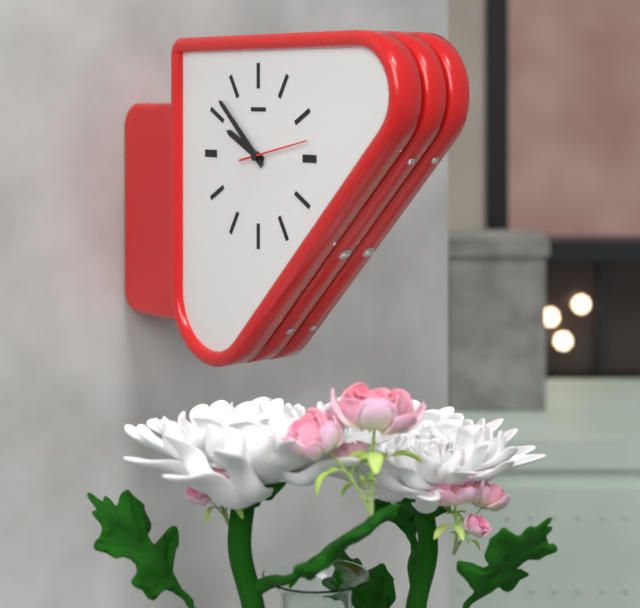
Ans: {"hour": 9, "minute": 52, "second": 13}
